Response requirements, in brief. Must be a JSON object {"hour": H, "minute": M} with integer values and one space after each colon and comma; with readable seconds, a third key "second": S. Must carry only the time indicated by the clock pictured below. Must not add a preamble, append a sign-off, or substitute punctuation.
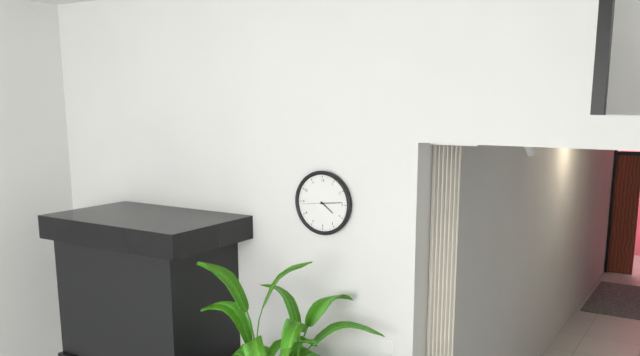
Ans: {"hour": 4, "minute": 14}
